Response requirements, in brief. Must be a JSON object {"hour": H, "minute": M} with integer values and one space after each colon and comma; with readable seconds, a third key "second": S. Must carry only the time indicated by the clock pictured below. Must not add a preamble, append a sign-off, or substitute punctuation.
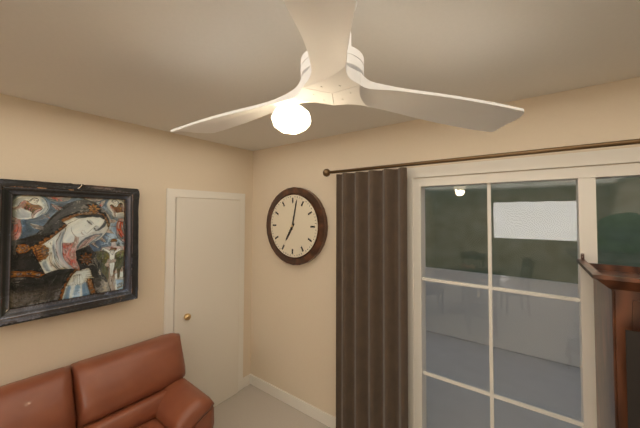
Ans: {"hour": 7, "minute": 2}
